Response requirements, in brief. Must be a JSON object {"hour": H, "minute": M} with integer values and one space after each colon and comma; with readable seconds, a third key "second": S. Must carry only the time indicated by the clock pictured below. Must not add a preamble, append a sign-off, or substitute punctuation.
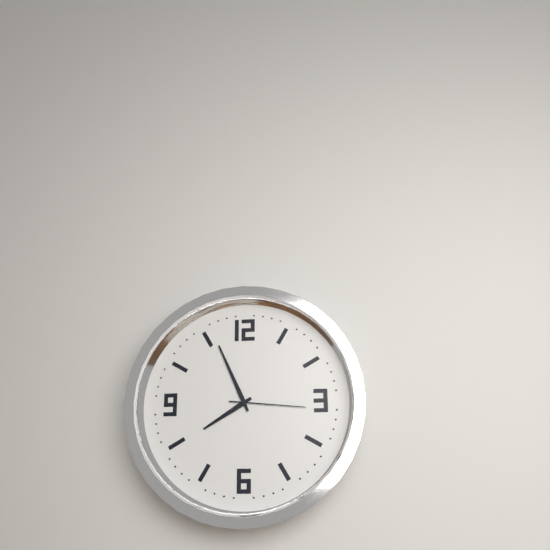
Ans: {"hour": 7, "minute": 56, "second": 16}
